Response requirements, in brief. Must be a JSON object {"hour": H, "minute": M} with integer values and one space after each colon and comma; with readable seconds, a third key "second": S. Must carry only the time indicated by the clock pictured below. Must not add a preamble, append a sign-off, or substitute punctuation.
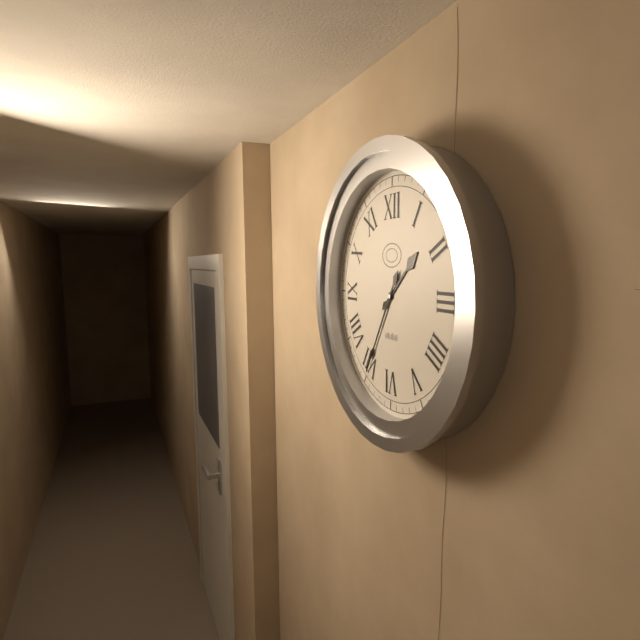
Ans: {"hour": 1, "minute": 35}
